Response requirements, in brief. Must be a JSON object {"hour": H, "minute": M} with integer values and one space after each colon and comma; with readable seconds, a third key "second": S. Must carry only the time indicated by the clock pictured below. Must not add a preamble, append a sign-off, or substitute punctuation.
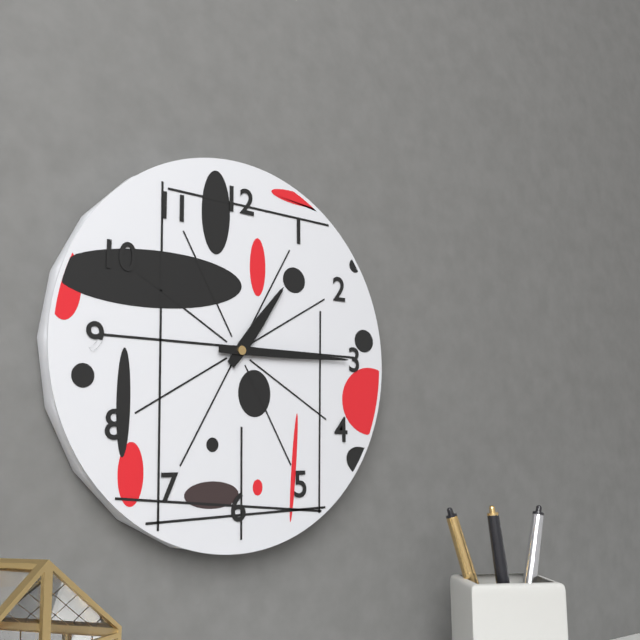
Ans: {"hour": 1, "minute": 15}
